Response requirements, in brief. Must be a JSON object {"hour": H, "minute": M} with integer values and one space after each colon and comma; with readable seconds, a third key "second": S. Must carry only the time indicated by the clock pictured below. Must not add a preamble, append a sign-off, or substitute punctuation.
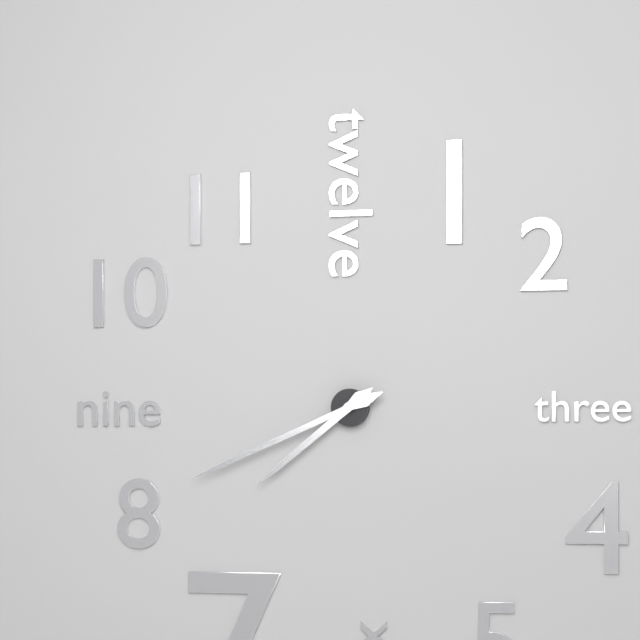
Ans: {"hour": 7, "minute": 41}
